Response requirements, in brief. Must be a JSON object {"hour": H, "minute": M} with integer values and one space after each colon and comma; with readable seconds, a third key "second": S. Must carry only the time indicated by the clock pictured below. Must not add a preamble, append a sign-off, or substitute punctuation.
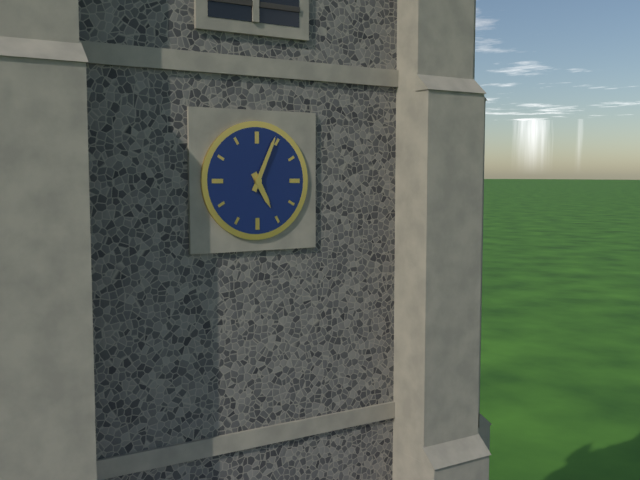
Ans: {"hour": 5, "minute": 4}
